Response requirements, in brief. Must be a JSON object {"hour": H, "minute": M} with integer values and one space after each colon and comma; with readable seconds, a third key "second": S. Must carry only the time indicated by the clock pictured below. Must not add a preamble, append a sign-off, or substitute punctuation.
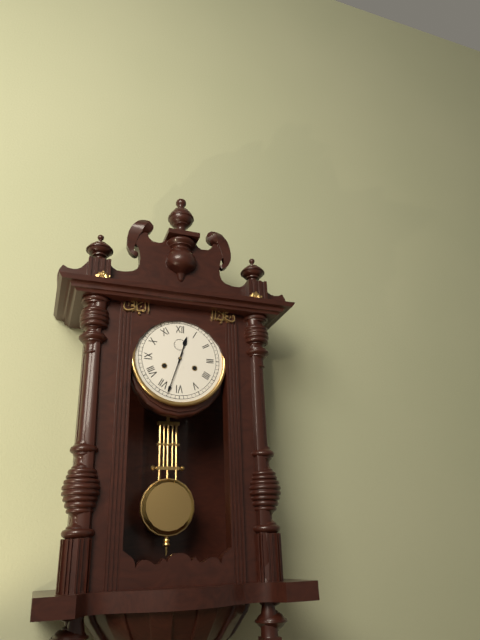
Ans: {"hour": 12, "minute": 33}
